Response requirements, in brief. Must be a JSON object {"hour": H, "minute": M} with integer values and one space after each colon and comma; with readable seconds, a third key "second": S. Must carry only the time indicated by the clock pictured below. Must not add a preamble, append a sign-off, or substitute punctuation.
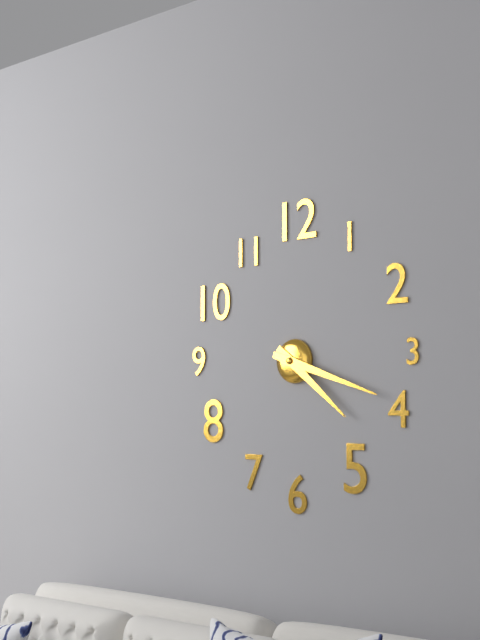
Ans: {"hour": 4, "minute": 18}
